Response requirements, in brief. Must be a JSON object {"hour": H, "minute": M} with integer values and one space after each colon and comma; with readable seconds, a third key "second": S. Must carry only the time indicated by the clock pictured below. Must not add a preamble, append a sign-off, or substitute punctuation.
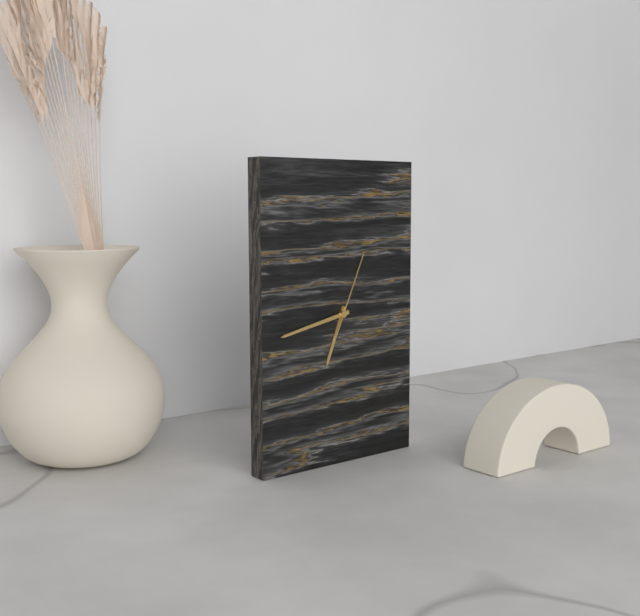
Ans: {"hour": 6, "minute": 43, "second": 4}
